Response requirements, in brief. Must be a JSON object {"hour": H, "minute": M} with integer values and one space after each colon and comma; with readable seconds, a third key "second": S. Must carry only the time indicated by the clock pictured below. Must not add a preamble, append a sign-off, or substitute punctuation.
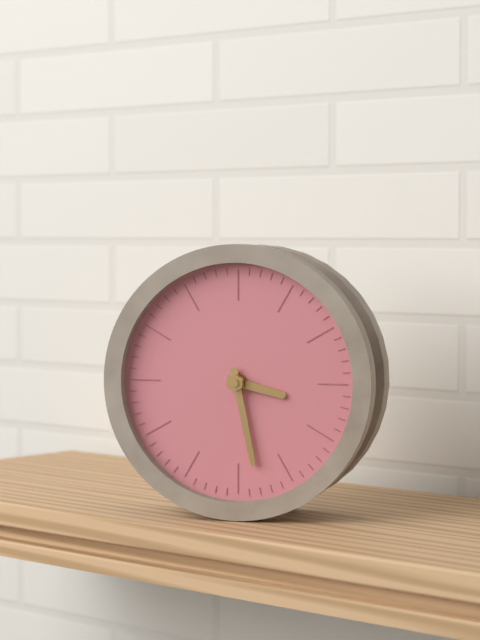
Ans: {"hour": 3, "minute": 28}
